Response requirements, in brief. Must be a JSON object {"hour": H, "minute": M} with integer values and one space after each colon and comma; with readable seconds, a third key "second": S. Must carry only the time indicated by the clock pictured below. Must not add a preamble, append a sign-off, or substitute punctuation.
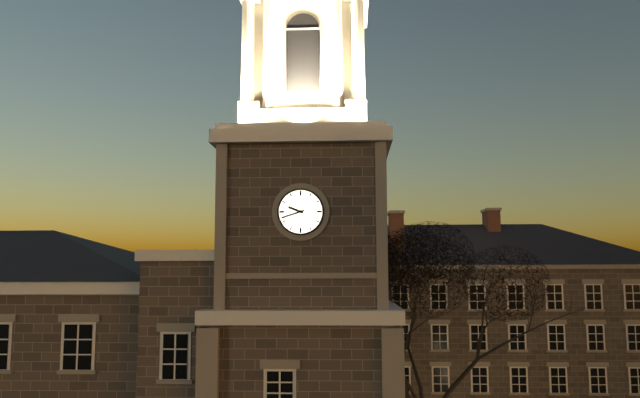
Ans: {"hour": 9, "minute": 42}
